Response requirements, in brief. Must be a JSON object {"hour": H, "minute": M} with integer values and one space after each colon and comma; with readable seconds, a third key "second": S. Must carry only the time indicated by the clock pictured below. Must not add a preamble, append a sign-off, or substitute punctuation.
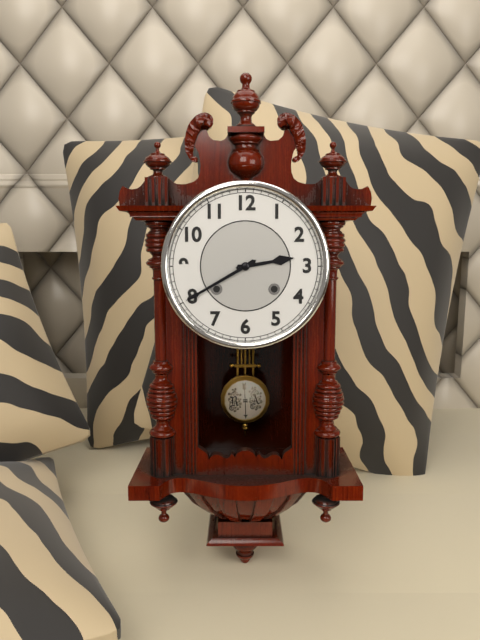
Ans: {"hour": 2, "minute": 40}
